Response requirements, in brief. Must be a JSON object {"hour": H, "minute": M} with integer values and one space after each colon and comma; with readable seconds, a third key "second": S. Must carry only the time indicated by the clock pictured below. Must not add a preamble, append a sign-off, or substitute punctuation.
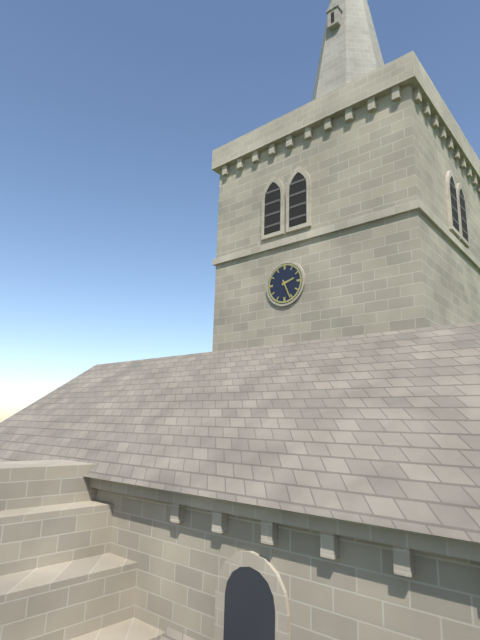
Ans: {"hour": 2, "minute": 26}
